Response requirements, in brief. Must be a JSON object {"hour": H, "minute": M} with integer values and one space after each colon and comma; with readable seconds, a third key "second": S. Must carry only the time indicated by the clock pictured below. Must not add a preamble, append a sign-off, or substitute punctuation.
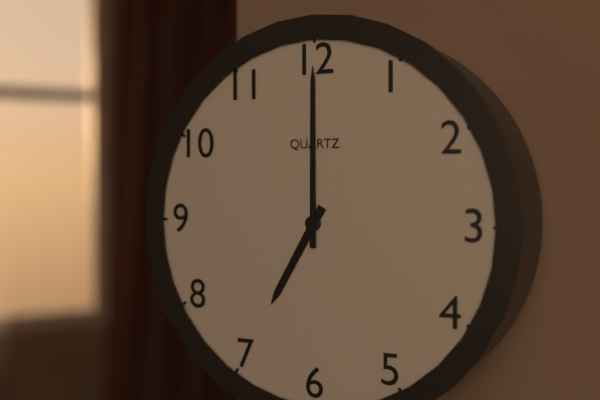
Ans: {"hour": 7, "minute": 0}
